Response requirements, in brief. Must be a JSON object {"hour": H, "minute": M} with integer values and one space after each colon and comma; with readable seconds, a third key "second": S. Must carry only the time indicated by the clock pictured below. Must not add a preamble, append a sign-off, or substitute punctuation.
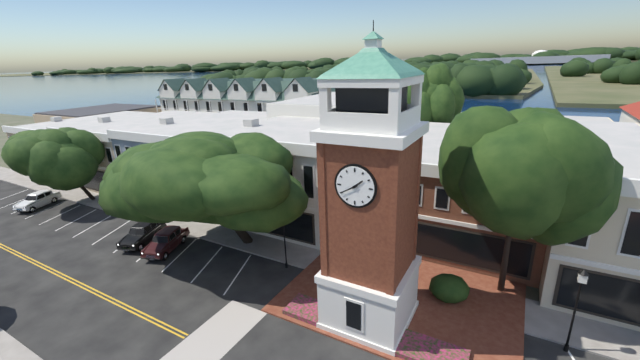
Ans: {"hour": 1, "minute": 40}
